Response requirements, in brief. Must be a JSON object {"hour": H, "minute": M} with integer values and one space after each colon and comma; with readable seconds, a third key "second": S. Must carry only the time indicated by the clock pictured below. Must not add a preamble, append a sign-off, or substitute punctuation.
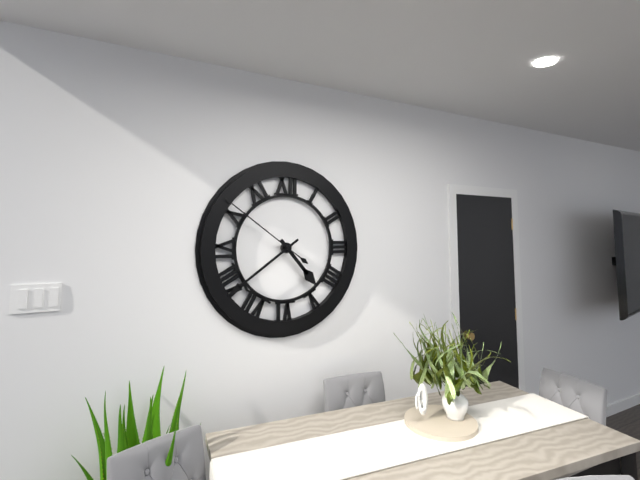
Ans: {"hour": 4, "minute": 39, "second": 51}
